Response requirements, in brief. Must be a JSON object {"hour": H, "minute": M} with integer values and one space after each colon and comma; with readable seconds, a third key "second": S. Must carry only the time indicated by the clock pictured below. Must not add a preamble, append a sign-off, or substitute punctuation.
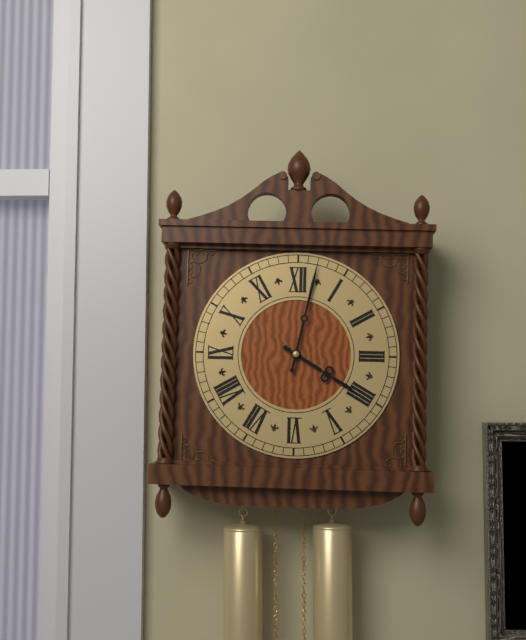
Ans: {"hour": 4, "minute": 2}
